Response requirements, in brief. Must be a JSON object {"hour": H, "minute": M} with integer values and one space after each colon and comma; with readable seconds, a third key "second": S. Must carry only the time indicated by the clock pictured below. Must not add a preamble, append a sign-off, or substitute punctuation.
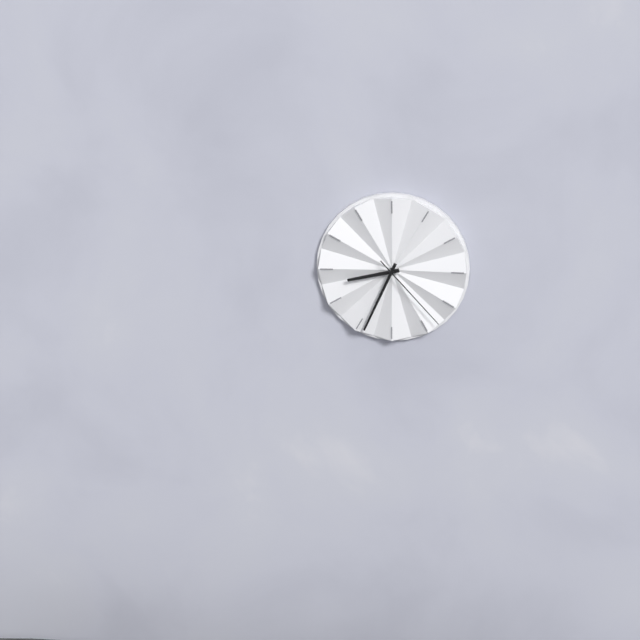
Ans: {"hour": 8, "minute": 34, "second": 23}
